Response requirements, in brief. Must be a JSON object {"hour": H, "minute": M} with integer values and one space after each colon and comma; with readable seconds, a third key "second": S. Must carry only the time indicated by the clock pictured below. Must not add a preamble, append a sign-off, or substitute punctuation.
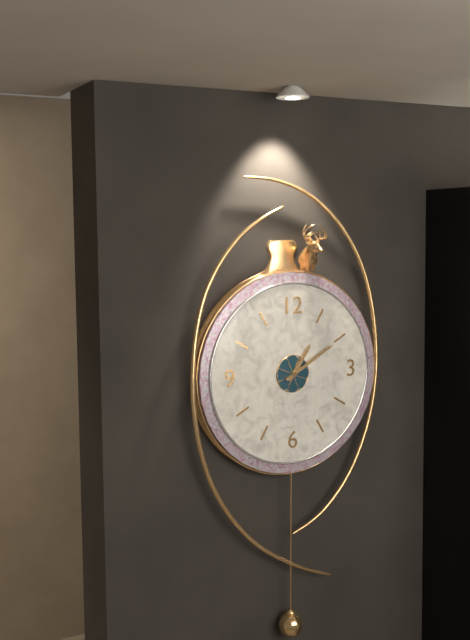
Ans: {"hour": 1, "minute": 10}
